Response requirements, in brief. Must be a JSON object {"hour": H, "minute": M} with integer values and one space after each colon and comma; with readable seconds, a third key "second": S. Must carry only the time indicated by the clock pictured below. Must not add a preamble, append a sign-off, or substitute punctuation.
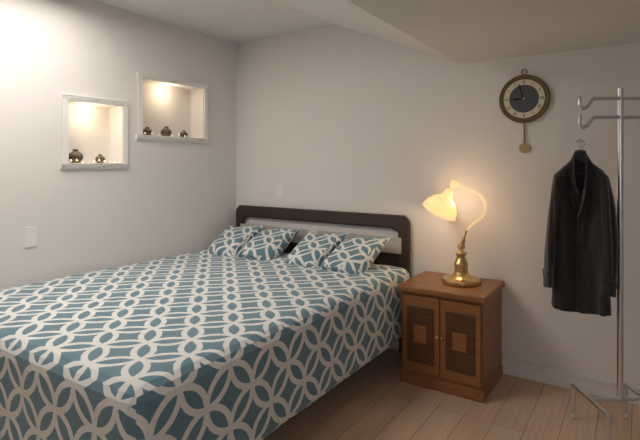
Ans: {"hour": 8, "minute": 57}
